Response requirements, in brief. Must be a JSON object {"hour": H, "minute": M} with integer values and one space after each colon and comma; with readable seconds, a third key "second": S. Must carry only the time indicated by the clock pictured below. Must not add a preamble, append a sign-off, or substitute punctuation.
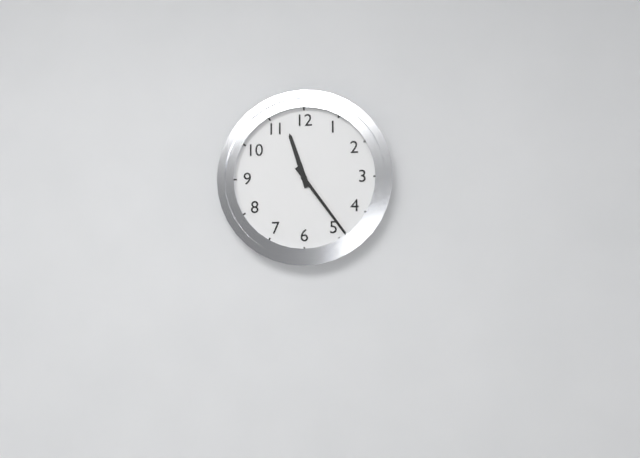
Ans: {"hour": 11, "minute": 24}
